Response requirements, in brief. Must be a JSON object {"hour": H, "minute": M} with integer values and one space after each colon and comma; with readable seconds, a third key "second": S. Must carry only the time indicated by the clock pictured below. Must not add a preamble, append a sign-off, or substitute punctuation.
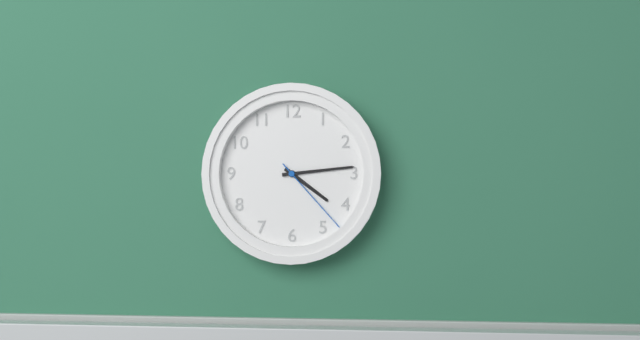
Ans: {"hour": 4, "minute": 14, "second": 23}
